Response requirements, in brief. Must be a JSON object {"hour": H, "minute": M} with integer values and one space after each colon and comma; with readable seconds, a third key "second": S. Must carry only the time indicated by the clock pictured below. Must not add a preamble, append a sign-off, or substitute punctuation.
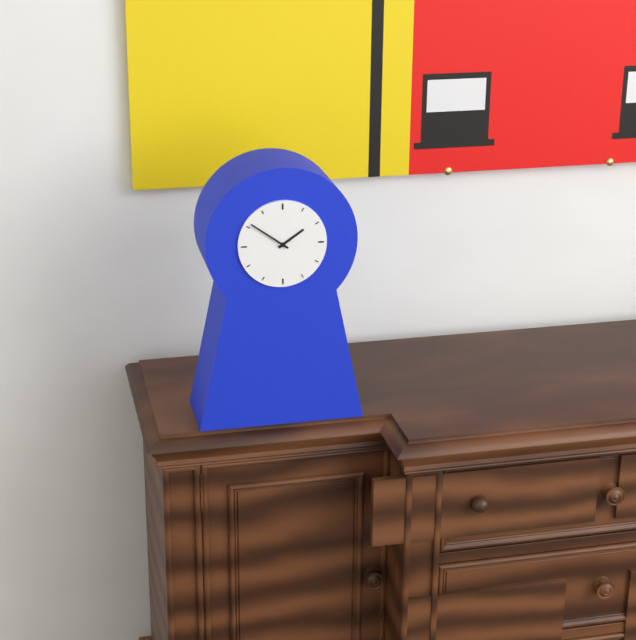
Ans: {"hour": 1, "minute": 51}
